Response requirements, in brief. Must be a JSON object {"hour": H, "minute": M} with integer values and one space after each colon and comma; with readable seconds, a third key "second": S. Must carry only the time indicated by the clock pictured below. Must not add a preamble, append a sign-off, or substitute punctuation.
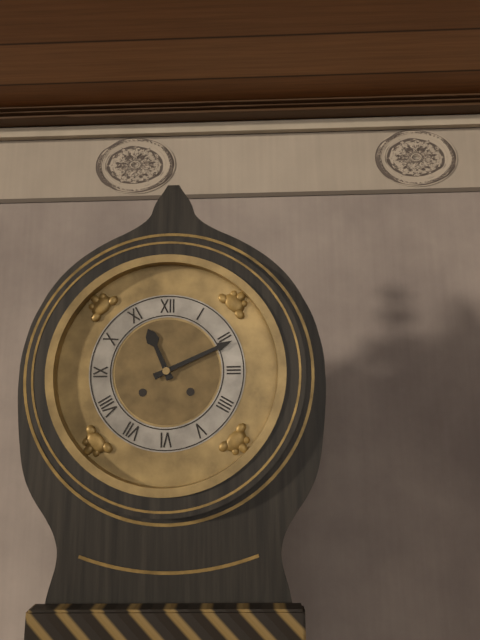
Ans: {"hour": 11, "minute": 11}
